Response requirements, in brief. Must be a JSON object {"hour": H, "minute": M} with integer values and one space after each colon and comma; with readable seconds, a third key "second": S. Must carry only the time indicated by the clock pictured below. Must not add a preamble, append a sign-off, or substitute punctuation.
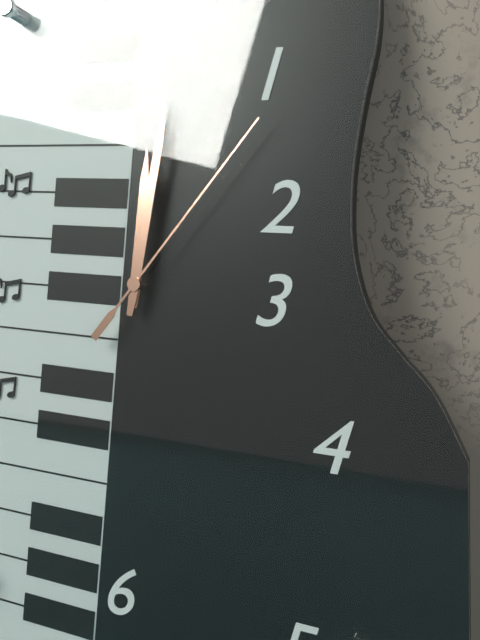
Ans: {"hour": 12, "minute": 1, "second": 6}
